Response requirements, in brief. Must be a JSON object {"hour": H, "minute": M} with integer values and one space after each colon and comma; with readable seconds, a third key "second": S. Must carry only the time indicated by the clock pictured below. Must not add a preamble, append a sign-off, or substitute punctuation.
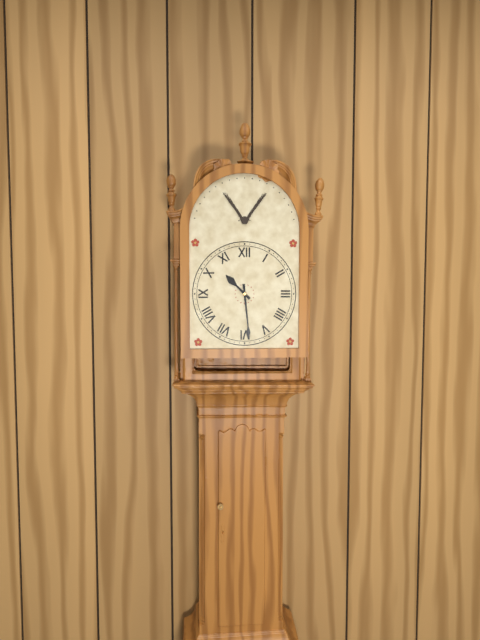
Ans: {"hour": 10, "minute": 29}
